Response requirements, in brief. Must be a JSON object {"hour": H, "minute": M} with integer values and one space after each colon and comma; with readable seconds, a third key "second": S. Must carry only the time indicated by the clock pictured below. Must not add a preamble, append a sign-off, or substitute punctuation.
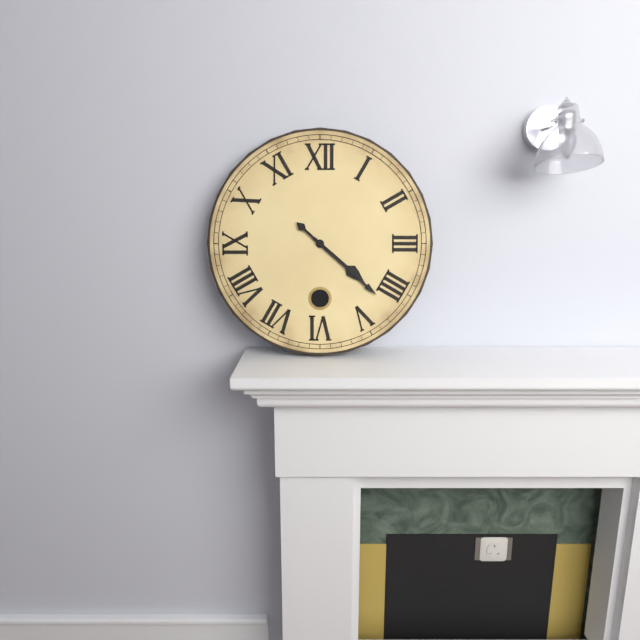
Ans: {"hour": 4, "minute": 22}
